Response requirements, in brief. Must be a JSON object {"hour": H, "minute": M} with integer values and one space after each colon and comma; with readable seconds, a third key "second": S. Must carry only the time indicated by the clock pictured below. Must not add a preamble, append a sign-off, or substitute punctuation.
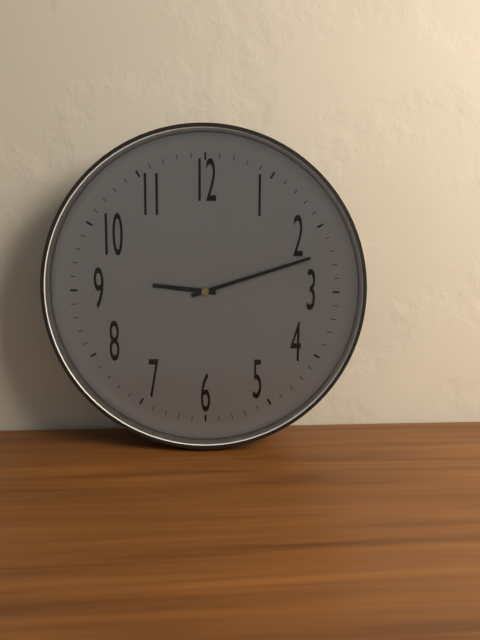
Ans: {"hour": 9, "minute": 12}
